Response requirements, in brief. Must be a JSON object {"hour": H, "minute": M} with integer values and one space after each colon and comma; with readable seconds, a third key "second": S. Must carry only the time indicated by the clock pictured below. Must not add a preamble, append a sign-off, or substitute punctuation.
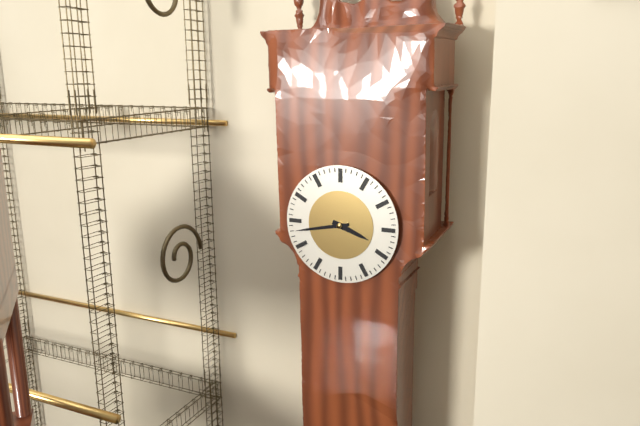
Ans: {"hour": 3, "minute": 43}
